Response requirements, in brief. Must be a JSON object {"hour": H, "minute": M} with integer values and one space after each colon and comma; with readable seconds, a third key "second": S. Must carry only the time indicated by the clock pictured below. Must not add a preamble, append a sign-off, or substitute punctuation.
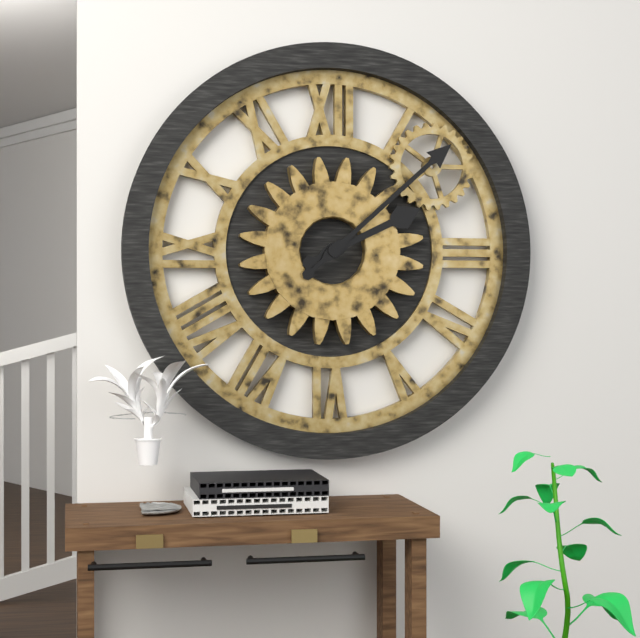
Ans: {"hour": 2, "minute": 8}
